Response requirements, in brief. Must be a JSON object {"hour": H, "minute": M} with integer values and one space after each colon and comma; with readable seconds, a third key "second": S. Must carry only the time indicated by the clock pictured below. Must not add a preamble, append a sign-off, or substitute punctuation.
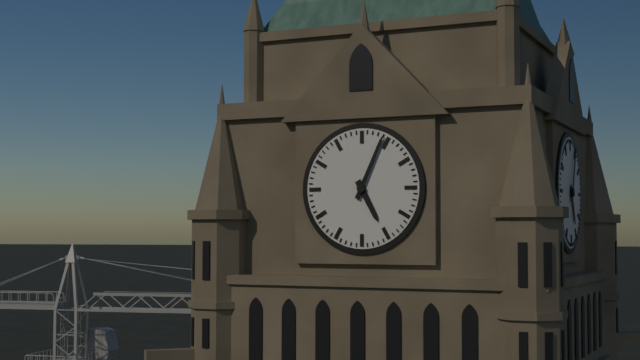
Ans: {"hour": 5, "minute": 4}
